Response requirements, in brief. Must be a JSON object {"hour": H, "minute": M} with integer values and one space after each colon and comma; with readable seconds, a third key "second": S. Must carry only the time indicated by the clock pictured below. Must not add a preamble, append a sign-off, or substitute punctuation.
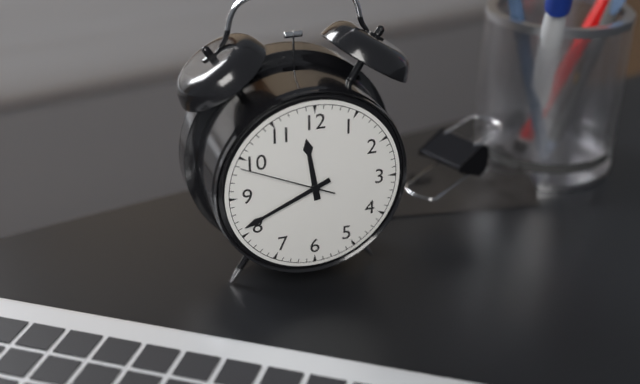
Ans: {"hour": 11, "minute": 41, "second": 49}
